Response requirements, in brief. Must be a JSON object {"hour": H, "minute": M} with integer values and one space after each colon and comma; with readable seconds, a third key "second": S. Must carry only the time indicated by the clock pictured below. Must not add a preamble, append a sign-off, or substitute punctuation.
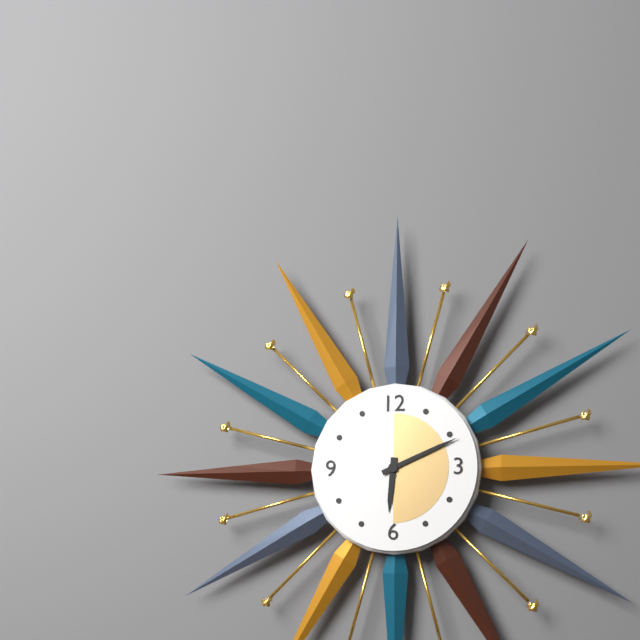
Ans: {"hour": 6, "minute": 11}
